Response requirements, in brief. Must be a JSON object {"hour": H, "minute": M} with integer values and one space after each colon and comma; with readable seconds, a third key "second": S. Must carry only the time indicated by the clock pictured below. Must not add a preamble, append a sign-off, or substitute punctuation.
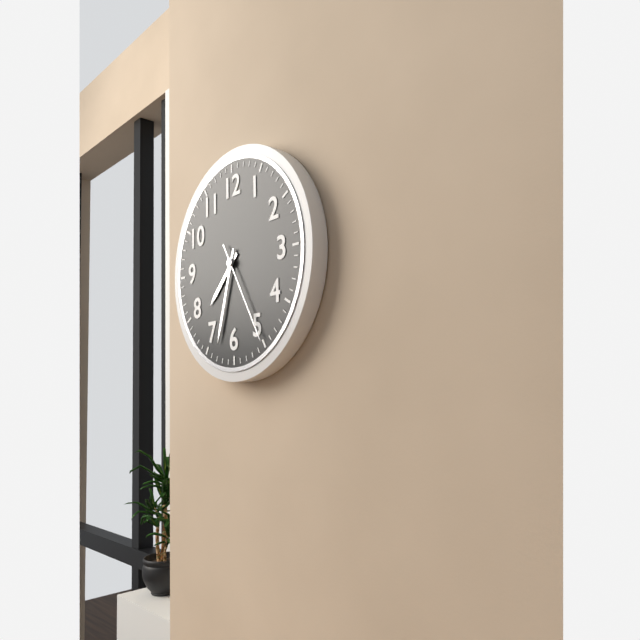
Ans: {"hour": 7, "minute": 33, "second": 25}
